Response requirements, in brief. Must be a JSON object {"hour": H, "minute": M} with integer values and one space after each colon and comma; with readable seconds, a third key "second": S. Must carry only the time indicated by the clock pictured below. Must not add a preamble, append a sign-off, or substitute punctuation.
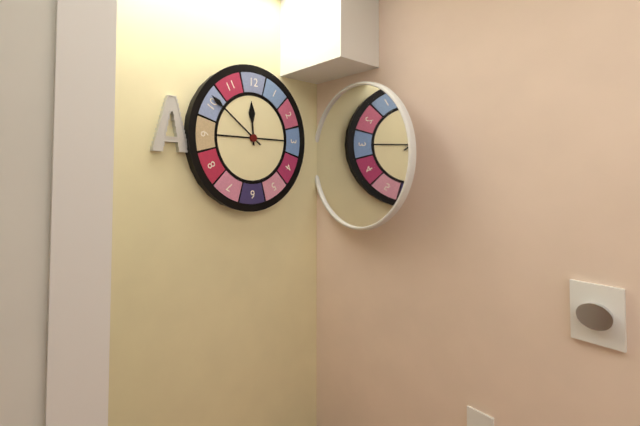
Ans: {"hour": 11, "minute": 51}
